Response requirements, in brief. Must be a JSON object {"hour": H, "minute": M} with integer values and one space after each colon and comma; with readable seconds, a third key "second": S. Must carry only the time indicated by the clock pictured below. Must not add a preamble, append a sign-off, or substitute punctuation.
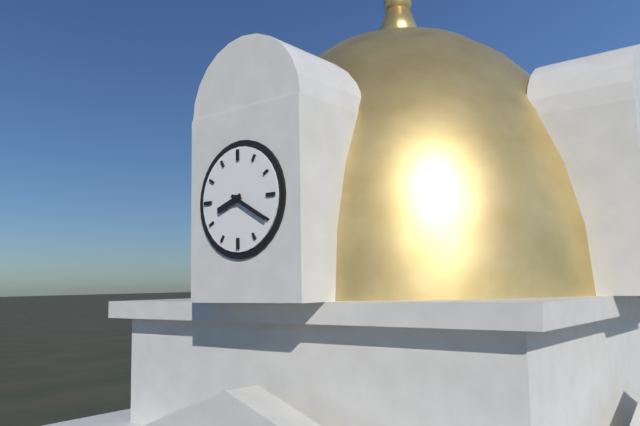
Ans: {"hour": 8, "minute": 20}
